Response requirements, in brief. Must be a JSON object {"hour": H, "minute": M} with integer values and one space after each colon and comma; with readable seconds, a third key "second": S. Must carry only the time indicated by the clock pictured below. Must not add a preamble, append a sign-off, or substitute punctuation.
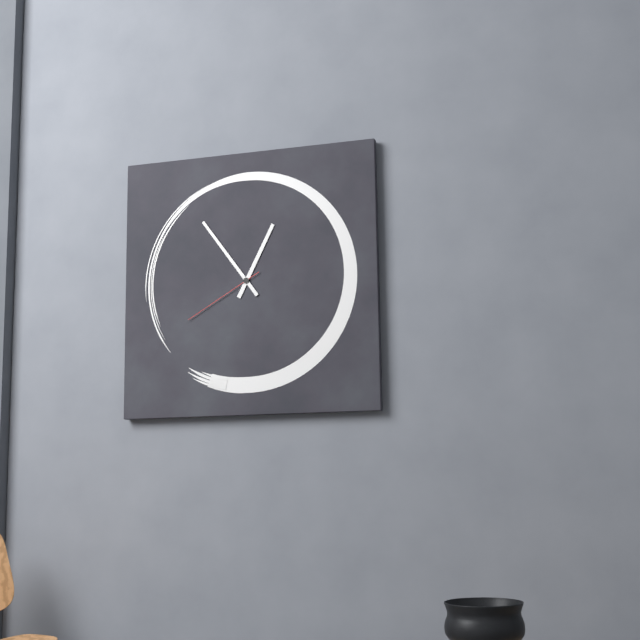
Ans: {"hour": 12, "minute": 54, "second": 40}
